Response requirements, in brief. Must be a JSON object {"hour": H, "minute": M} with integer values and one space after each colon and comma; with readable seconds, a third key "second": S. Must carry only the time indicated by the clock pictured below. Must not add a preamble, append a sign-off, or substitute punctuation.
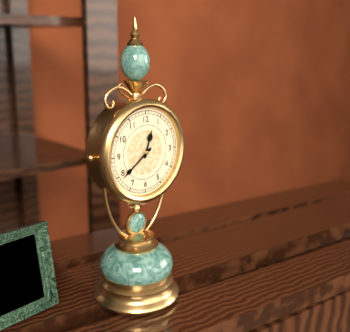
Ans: {"hour": 12, "minute": 39}
